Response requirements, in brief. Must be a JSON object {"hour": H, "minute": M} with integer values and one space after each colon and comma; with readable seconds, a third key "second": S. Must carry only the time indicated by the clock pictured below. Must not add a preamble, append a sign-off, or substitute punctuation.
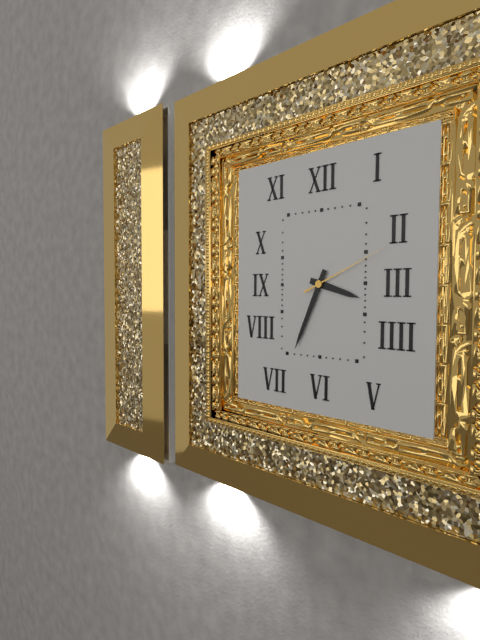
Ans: {"hour": 3, "minute": 34, "second": 11}
